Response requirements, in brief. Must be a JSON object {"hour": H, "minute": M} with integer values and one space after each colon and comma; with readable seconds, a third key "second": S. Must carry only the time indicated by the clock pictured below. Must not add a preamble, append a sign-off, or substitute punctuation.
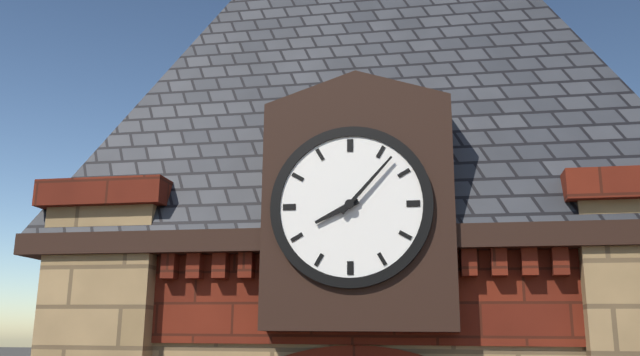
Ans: {"hour": 8, "minute": 7}
